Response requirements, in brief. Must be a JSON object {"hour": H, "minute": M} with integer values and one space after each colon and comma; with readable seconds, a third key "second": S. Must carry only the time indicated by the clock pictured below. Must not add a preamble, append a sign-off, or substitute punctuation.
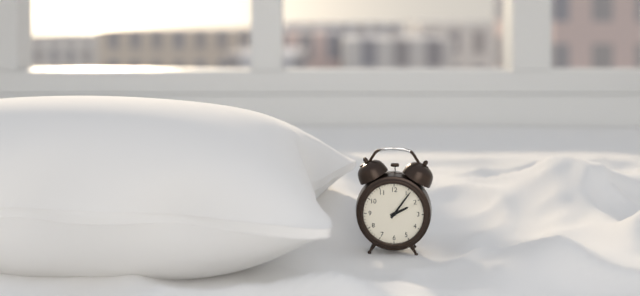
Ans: {"hour": 2, "minute": 6}
